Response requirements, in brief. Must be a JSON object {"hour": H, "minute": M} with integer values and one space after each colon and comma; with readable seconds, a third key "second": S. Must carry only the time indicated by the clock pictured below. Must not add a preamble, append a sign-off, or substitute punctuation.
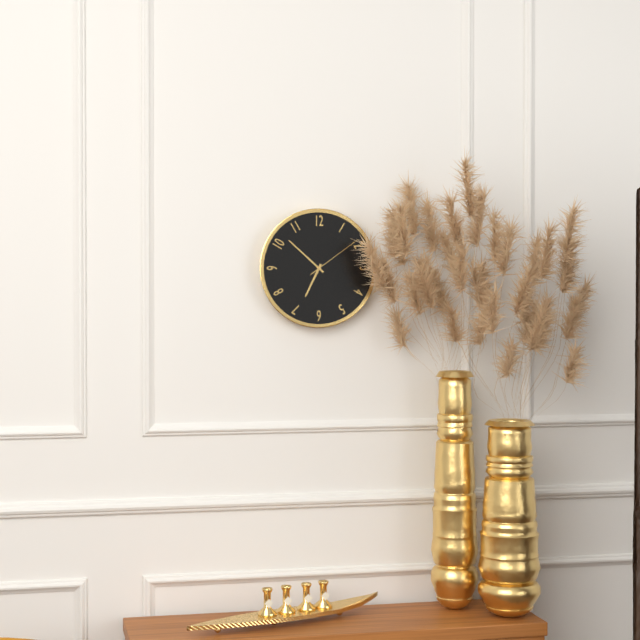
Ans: {"hour": 6, "minute": 52, "second": 9}
